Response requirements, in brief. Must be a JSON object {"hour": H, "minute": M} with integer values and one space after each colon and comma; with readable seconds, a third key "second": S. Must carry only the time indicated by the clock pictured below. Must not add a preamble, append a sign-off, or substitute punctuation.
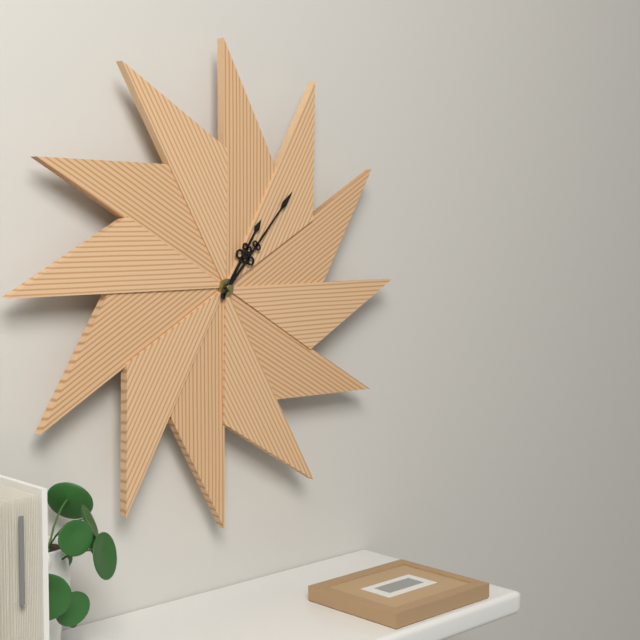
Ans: {"hour": 1, "minute": 7}
